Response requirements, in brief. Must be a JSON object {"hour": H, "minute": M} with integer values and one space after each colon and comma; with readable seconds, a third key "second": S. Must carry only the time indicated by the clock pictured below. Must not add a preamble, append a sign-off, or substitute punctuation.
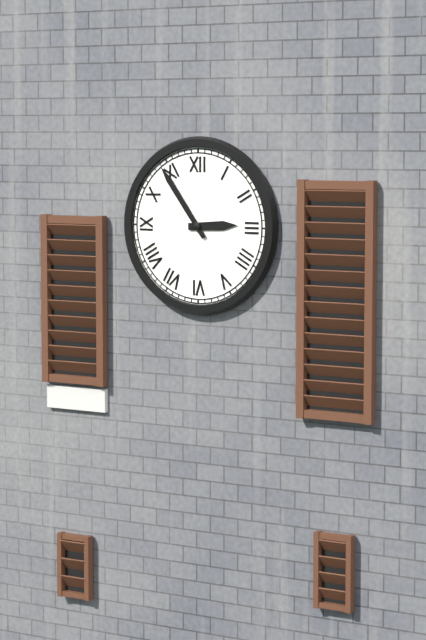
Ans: {"hour": 2, "minute": 54}
